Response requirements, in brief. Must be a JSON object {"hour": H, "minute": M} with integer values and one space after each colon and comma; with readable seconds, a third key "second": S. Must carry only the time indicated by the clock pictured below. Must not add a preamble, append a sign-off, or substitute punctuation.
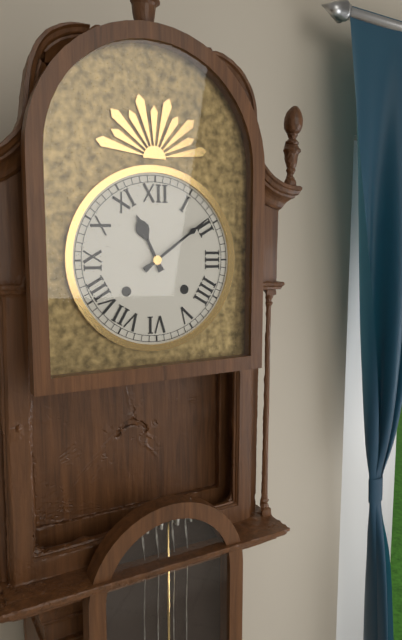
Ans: {"hour": 11, "minute": 9}
